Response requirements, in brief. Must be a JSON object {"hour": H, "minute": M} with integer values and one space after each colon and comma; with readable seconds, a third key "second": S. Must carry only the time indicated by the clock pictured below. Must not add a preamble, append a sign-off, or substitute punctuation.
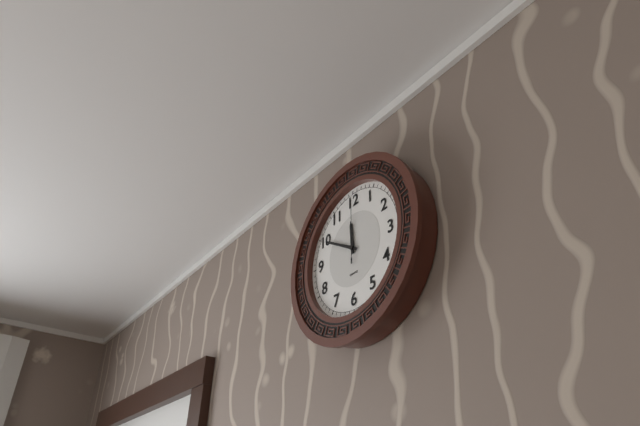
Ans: {"hour": 11, "minute": 50, "second": 0}
